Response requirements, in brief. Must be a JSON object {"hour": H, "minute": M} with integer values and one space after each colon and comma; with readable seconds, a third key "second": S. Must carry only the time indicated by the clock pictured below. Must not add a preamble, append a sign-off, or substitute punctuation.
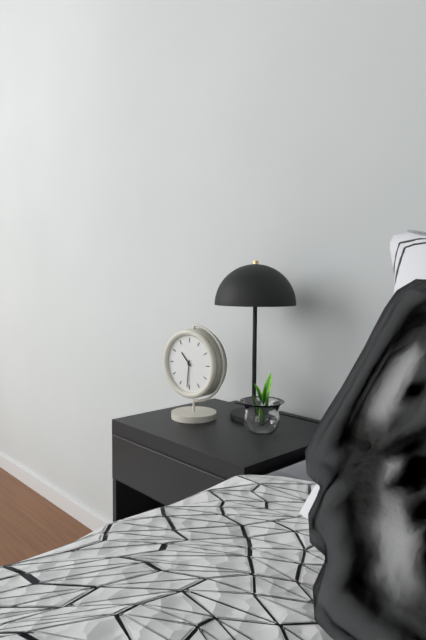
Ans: {"hour": 10, "minute": 31}
